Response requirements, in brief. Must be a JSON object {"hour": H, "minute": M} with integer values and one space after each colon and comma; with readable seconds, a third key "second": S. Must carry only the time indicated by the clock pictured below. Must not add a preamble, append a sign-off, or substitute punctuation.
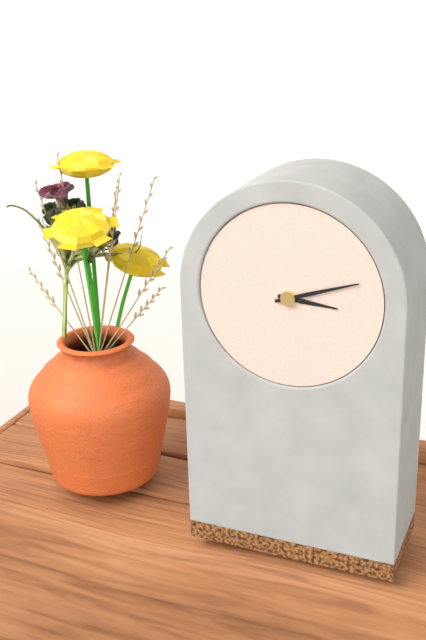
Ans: {"hour": 3, "minute": 12}
